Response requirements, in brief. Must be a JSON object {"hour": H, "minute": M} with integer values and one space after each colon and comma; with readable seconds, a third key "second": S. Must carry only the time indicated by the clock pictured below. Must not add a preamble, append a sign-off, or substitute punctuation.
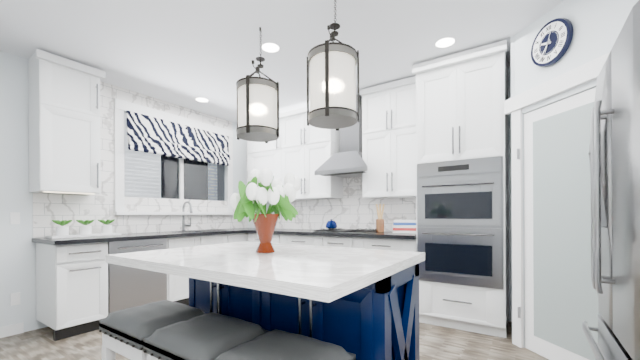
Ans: {"hour": 9, "minute": 36}
